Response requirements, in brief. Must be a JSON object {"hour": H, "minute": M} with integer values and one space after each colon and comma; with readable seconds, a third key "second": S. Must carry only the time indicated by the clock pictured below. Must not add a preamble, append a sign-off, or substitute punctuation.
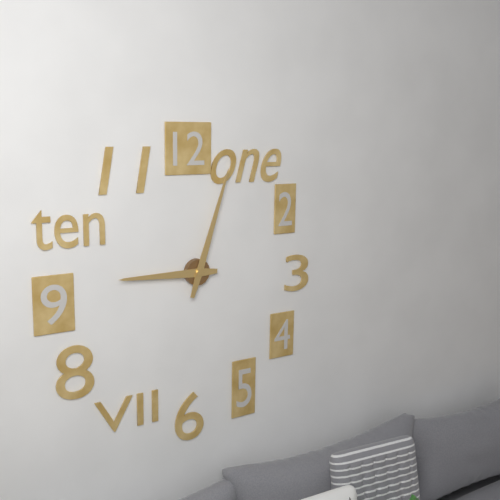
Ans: {"hour": 9, "minute": 3}
